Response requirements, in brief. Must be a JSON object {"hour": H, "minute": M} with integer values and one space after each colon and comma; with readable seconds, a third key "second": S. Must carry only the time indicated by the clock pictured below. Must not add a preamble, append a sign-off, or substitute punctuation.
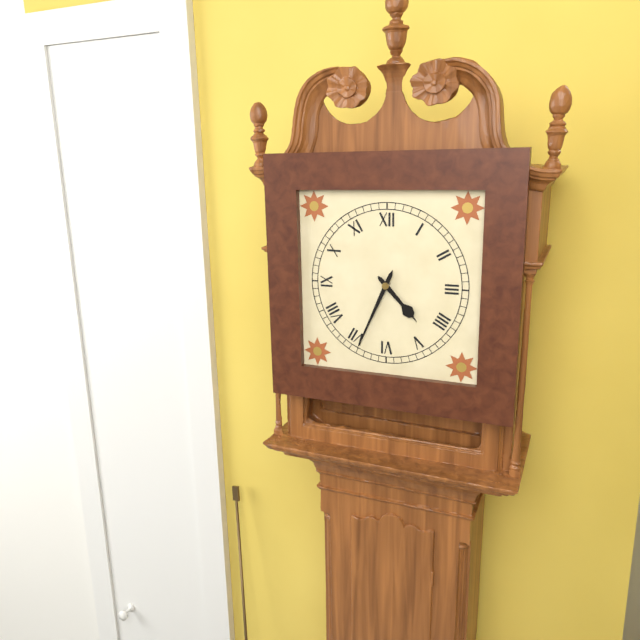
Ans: {"hour": 4, "minute": 34}
